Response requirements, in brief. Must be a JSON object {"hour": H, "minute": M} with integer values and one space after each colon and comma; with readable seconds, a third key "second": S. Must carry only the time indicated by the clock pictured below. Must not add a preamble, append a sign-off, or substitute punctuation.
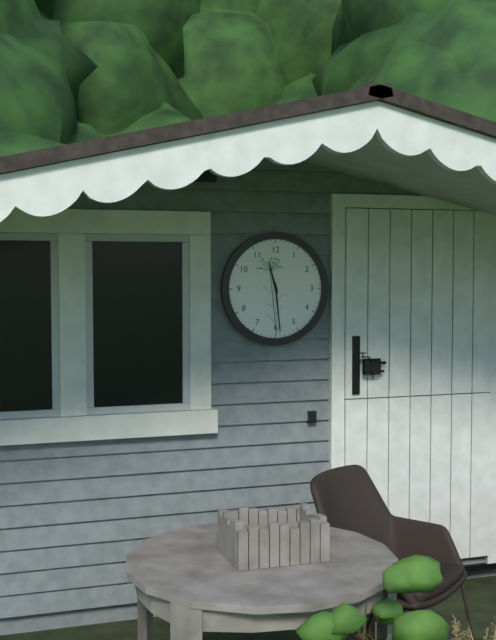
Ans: {"hour": 11, "minute": 29}
